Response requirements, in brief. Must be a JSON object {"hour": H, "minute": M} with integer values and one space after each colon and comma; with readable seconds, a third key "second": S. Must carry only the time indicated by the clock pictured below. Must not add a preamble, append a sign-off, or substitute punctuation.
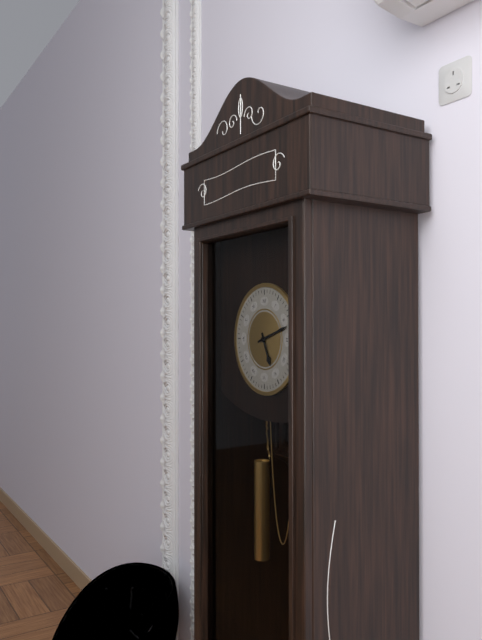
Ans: {"hour": 5, "minute": 12}
